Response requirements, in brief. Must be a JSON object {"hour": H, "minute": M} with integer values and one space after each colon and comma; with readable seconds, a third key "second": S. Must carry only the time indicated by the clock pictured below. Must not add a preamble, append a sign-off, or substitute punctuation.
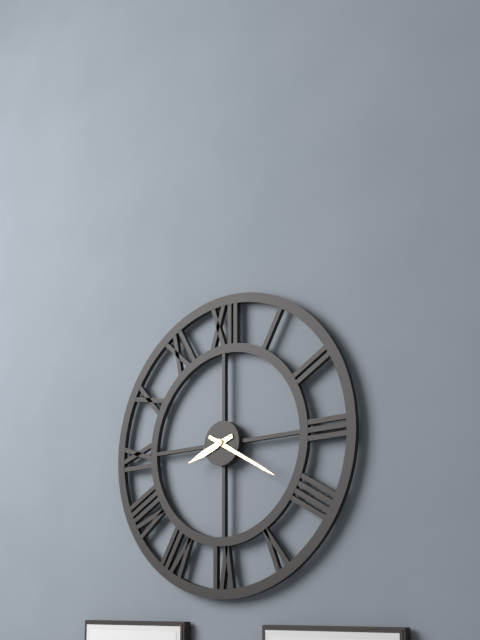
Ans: {"hour": 8, "minute": 20}
